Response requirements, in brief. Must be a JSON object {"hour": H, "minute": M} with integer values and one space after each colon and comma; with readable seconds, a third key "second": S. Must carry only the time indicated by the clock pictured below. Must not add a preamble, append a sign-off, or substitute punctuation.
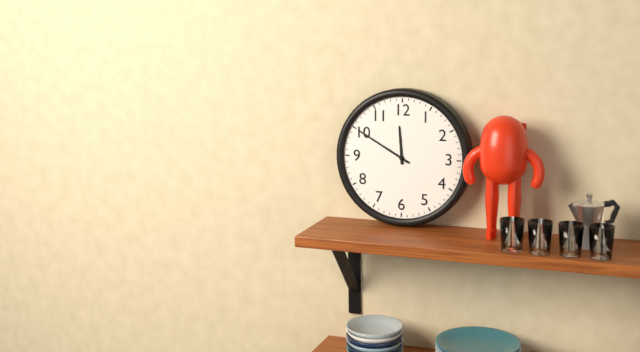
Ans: {"hour": 11, "minute": 50}
